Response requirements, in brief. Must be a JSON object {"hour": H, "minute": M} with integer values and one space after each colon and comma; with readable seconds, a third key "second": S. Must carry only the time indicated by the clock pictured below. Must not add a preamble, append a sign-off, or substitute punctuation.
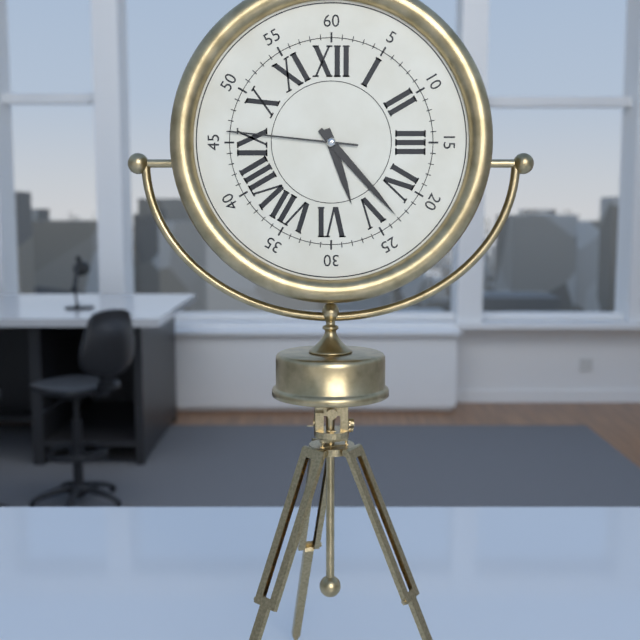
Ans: {"hour": 5, "minute": 23, "second": 46}
